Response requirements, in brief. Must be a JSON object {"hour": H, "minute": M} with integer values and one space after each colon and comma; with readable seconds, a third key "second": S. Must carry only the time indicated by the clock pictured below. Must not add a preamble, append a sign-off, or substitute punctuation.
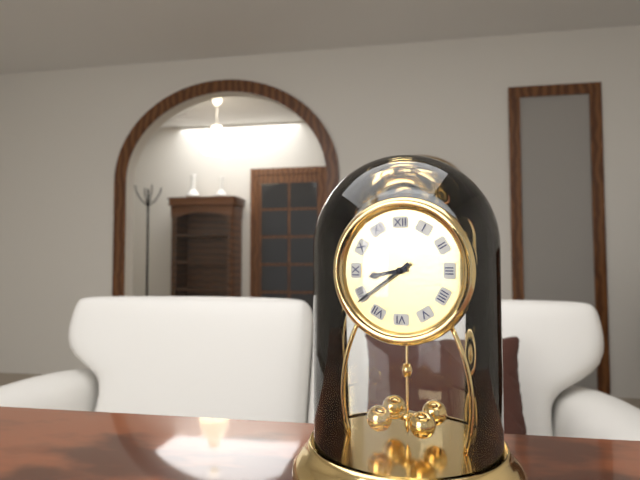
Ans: {"hour": 8, "minute": 39}
